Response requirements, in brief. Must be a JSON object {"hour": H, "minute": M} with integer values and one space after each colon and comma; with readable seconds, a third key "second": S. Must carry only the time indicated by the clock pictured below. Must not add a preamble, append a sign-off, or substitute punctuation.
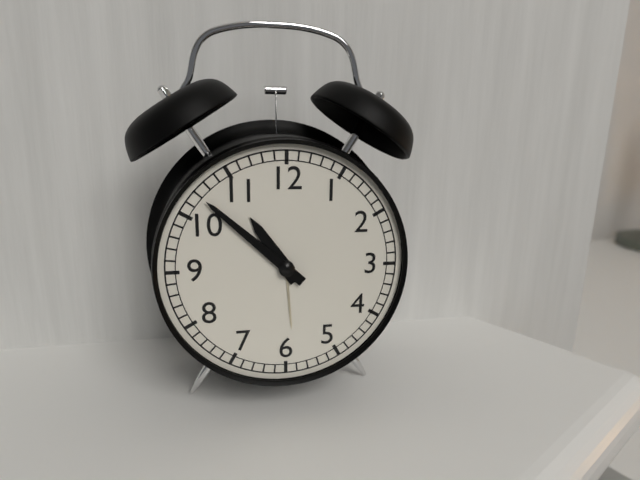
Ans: {"hour": 10, "minute": 52}
